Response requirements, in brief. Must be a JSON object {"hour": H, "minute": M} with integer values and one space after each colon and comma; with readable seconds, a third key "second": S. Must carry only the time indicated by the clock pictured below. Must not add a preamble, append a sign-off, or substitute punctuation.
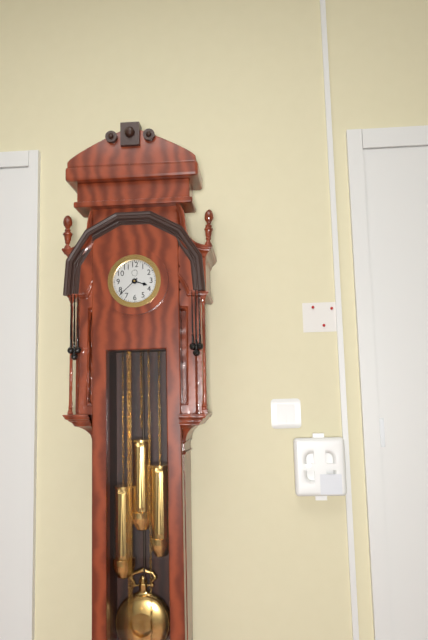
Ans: {"hour": 3, "minute": 38}
